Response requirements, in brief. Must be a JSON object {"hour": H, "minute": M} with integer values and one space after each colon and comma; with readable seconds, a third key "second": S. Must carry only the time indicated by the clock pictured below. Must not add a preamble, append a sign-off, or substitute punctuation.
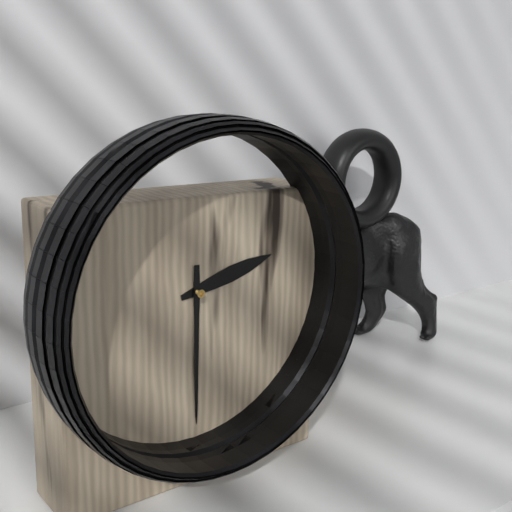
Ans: {"hour": 2, "minute": 30}
